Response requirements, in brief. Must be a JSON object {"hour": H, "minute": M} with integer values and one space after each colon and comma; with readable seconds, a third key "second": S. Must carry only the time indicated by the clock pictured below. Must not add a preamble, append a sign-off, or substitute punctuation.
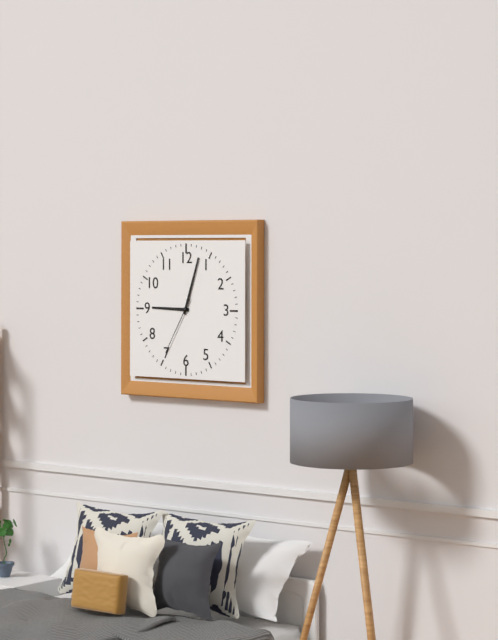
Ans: {"hour": 9, "minute": 3, "second": 35}
